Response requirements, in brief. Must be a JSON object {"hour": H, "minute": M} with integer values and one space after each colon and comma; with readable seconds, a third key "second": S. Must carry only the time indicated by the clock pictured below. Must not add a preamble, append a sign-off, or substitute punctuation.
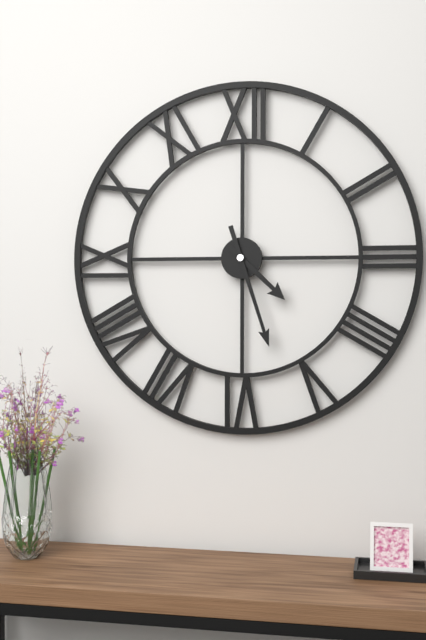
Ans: {"hour": 4, "minute": 27}
